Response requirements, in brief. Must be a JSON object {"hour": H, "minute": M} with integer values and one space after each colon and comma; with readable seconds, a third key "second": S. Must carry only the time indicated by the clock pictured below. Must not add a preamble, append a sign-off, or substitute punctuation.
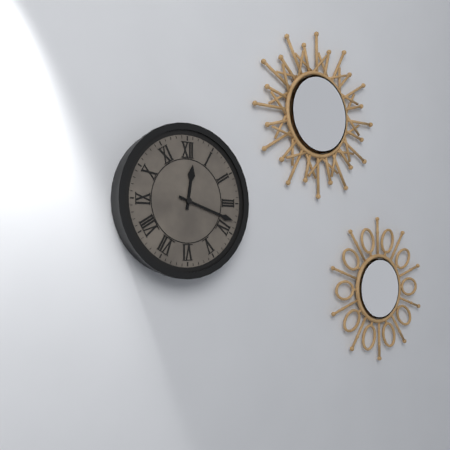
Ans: {"hour": 12, "minute": 18}
